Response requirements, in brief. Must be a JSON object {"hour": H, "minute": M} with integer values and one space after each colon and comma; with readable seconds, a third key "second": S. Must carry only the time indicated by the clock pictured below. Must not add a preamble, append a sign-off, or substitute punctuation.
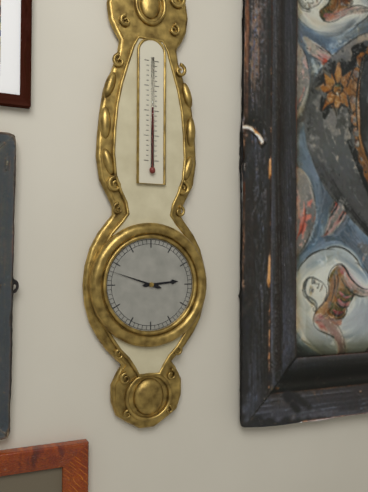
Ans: {"hour": 2, "minute": 48}
